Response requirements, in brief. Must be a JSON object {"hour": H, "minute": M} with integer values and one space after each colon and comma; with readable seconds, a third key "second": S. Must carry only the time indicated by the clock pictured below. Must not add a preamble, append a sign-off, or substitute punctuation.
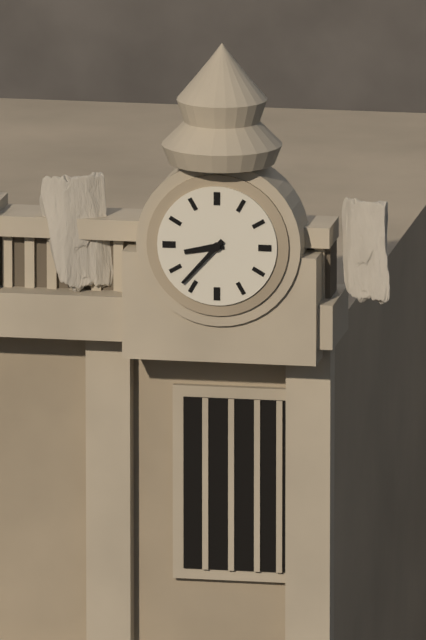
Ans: {"hour": 8, "minute": 37}
